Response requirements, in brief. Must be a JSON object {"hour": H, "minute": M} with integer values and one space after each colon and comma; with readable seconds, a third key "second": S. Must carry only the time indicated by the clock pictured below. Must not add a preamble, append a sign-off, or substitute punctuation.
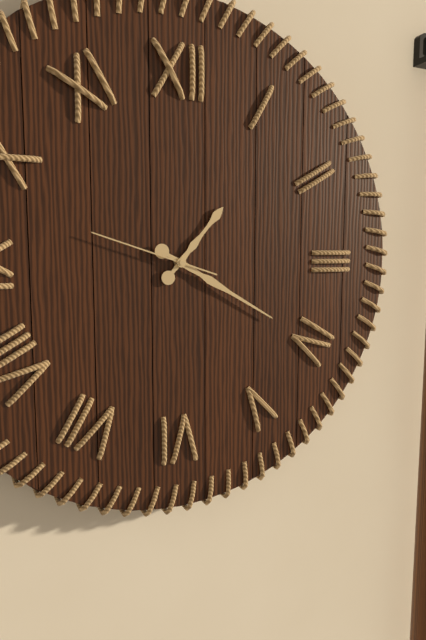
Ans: {"hour": 1, "minute": 20, "second": 48}
